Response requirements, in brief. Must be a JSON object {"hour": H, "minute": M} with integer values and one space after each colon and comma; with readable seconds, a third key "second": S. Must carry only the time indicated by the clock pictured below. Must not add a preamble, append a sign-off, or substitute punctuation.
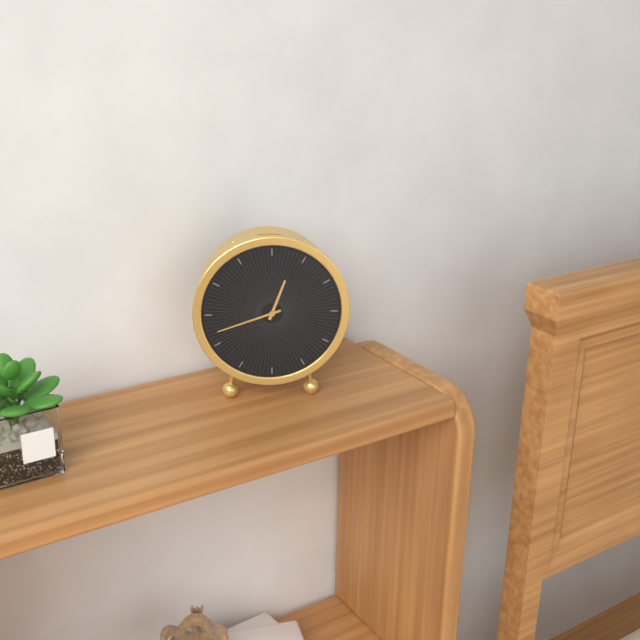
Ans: {"hour": 12, "minute": 42}
